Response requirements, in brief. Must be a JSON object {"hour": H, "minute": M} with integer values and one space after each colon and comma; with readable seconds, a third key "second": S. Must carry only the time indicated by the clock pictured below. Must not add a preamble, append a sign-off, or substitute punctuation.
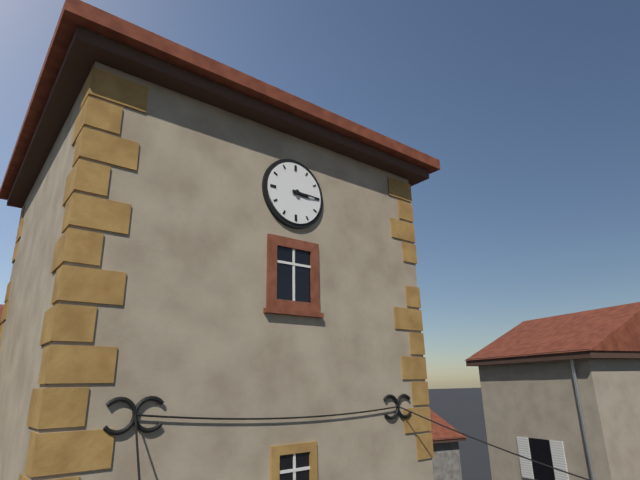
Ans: {"hour": 3, "minute": 15}
